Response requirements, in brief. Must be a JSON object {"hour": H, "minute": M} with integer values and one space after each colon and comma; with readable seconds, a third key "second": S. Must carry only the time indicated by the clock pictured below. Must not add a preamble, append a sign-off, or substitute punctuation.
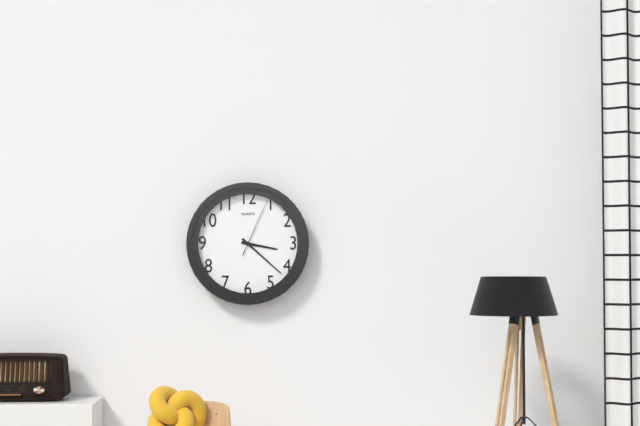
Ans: {"hour": 3, "minute": 22, "second": 4}
